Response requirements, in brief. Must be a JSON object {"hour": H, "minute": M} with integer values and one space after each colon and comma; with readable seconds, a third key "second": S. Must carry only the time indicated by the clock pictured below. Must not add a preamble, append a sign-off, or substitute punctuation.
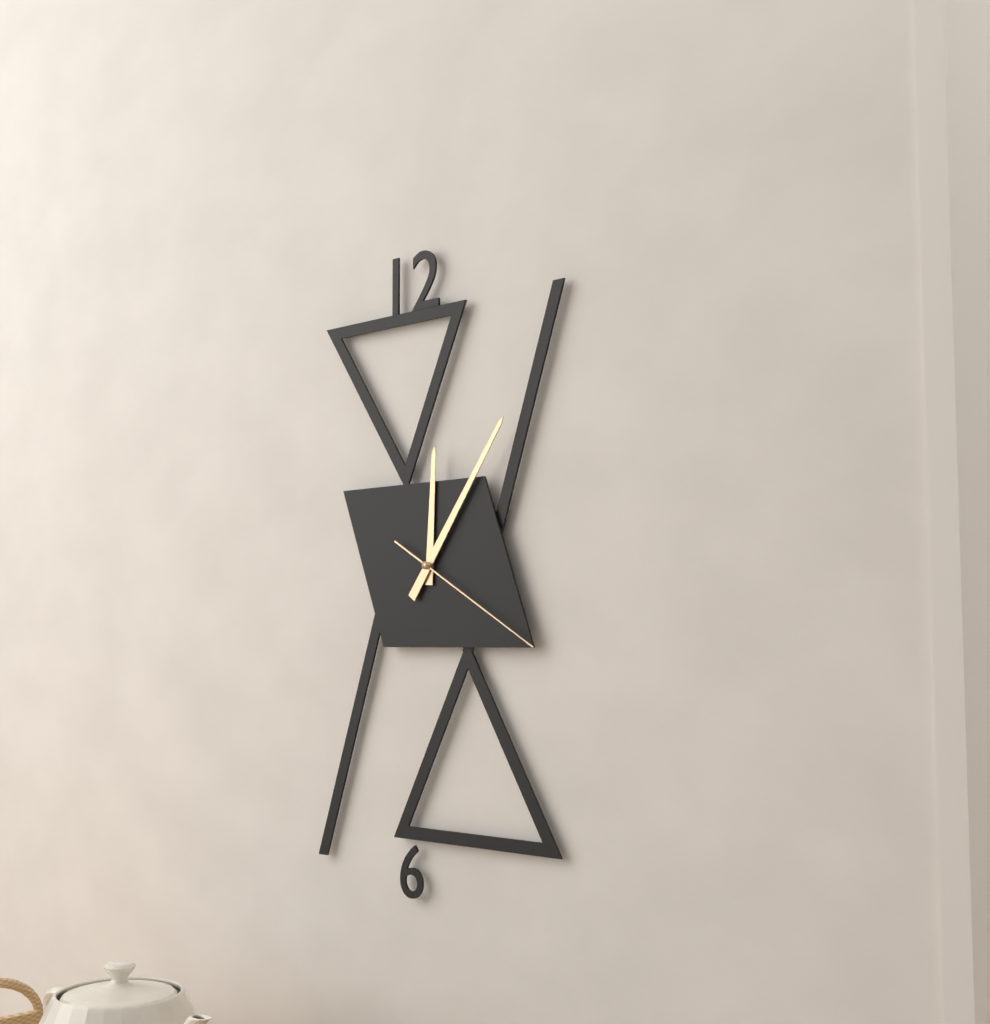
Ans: {"hour": 12, "minute": 6, "second": 20}
